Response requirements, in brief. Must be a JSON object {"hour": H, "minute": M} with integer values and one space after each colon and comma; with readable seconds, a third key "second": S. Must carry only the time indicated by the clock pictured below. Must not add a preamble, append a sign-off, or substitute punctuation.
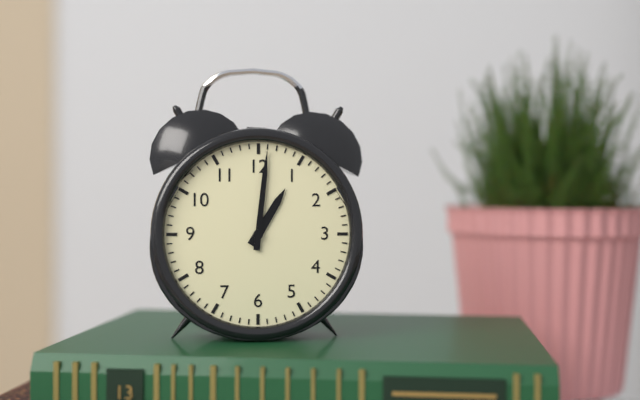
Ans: {"hour": 1, "minute": 1}
